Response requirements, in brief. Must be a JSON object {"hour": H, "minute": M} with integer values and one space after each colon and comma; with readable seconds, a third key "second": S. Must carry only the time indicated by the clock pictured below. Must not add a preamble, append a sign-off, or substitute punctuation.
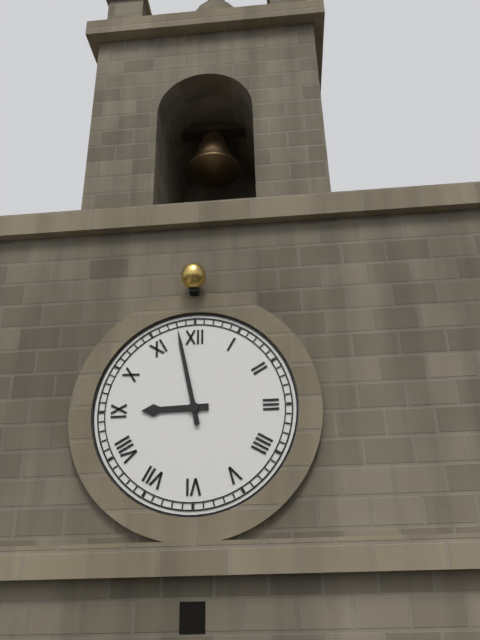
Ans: {"hour": 8, "minute": 58}
